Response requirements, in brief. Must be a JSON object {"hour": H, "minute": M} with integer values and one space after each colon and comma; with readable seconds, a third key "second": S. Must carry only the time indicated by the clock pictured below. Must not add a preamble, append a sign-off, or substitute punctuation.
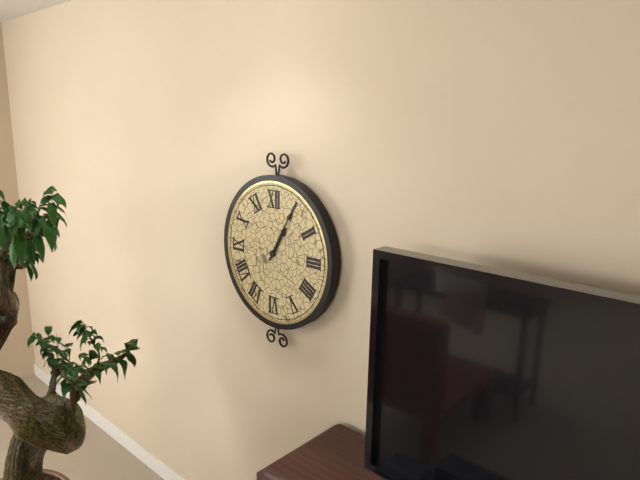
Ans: {"hour": 1, "minute": 5}
